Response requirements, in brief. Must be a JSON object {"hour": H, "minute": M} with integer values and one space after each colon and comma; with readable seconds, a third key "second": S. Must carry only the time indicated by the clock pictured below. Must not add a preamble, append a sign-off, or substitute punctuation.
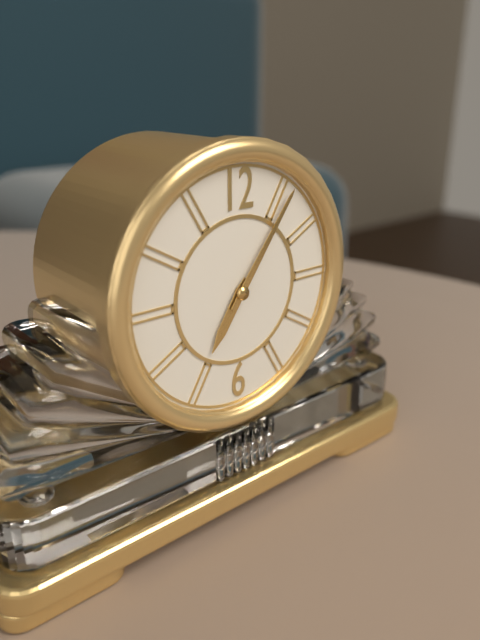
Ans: {"hour": 7, "minute": 6}
